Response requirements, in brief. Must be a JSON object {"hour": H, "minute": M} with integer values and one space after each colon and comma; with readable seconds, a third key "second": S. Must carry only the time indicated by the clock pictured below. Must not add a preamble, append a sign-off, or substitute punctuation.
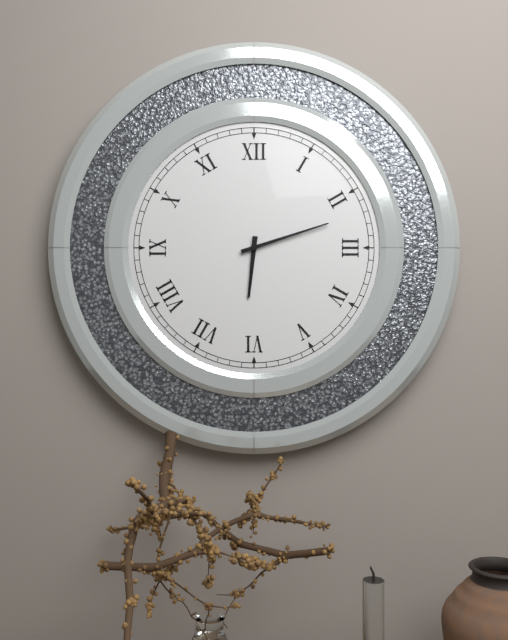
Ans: {"hour": 6, "minute": 12}
